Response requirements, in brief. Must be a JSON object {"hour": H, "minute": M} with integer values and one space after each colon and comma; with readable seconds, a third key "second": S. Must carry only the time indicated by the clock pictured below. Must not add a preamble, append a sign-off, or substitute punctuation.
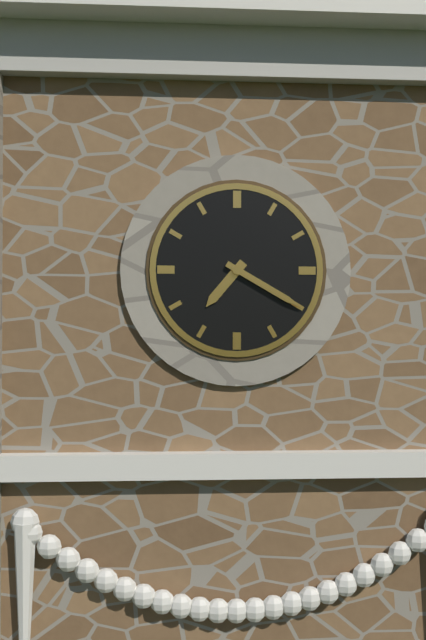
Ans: {"hour": 7, "minute": 20}
